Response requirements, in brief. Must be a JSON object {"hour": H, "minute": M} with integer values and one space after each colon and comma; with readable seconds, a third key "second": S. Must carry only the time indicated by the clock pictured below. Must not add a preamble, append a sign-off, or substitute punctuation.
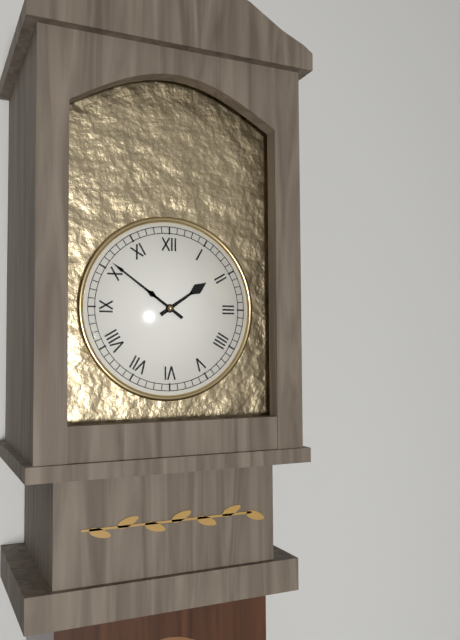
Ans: {"hour": 1, "minute": 51}
